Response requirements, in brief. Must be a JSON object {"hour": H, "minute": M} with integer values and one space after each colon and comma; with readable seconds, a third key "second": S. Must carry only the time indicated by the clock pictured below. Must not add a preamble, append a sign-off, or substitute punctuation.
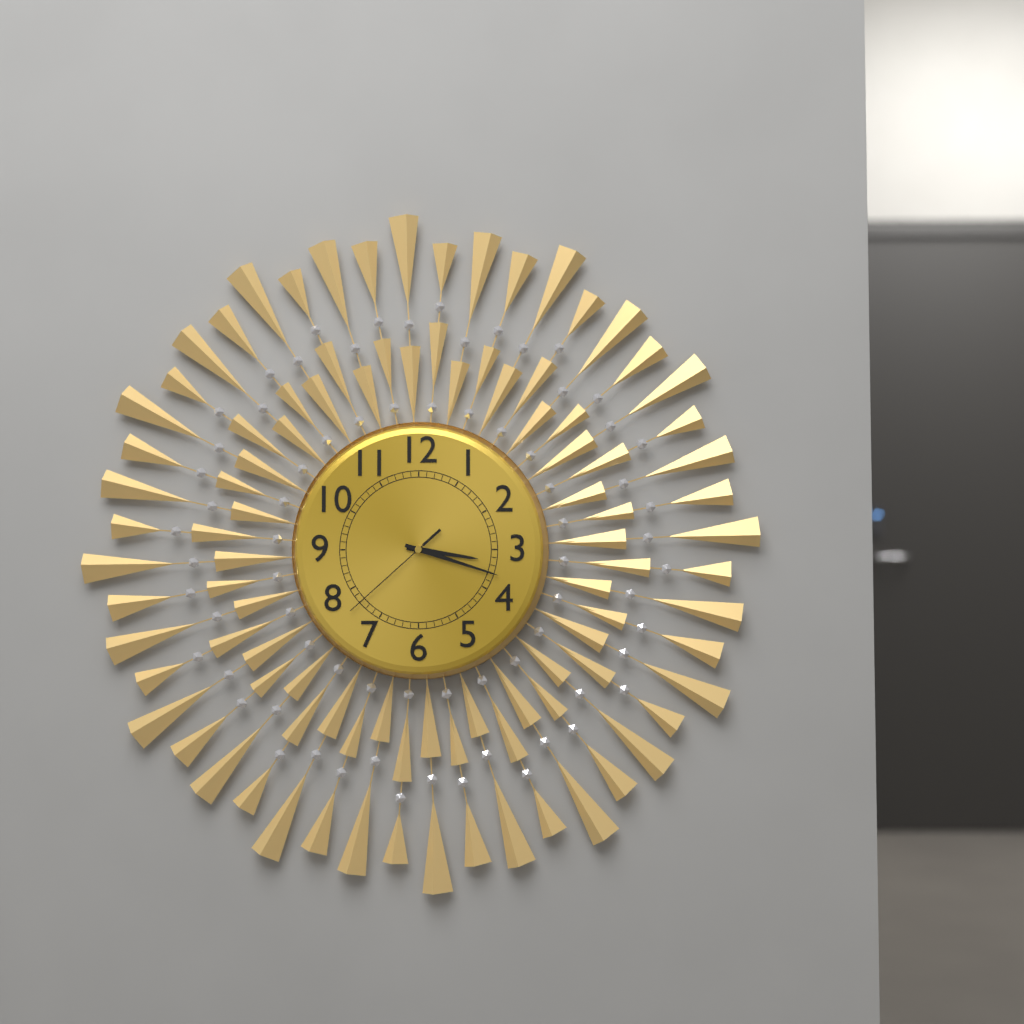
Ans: {"hour": 3, "minute": 18, "second": 38}
